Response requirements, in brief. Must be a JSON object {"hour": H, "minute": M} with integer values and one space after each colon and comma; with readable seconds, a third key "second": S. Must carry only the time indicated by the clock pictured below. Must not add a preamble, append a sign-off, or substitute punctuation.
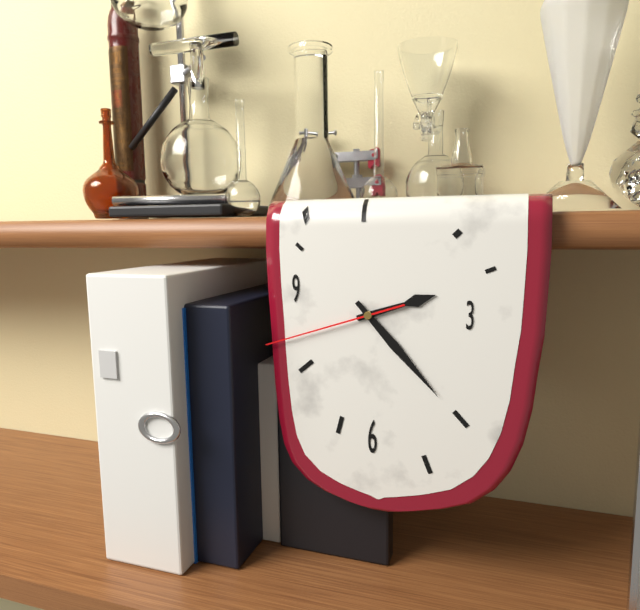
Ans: {"hour": 2, "minute": 23, "second": 42}
